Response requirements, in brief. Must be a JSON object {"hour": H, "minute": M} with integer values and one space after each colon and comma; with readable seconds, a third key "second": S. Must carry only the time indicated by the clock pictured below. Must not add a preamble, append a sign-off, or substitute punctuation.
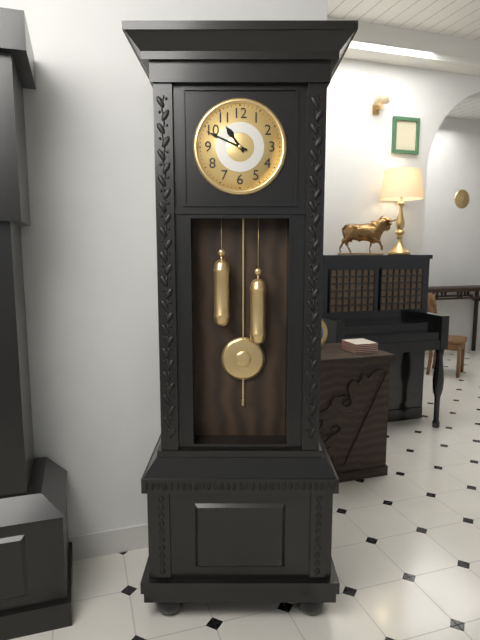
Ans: {"hour": 10, "minute": 49}
